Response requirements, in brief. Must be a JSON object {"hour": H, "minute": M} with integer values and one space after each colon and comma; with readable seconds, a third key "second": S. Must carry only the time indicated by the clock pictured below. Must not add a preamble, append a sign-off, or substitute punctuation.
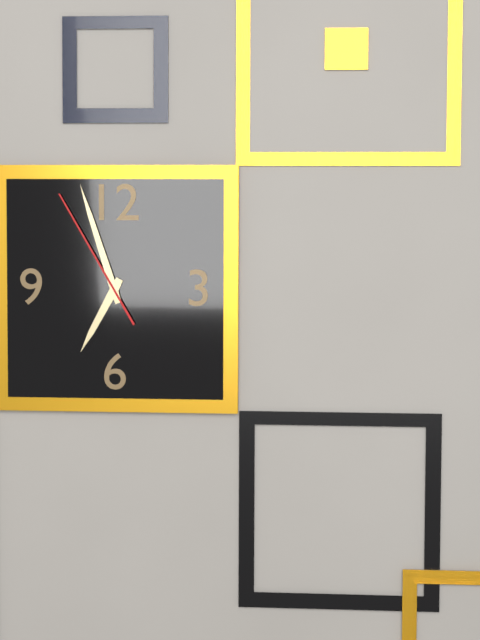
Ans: {"hour": 6, "minute": 57, "second": 55}
